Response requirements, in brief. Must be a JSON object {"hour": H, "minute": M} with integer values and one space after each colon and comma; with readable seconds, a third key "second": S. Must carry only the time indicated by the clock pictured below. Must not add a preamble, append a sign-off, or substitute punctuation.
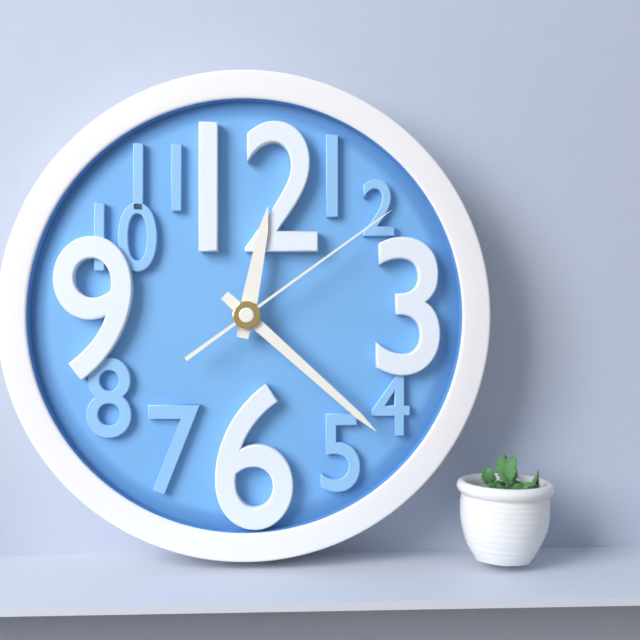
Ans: {"hour": 12, "minute": 22, "second": 9}
